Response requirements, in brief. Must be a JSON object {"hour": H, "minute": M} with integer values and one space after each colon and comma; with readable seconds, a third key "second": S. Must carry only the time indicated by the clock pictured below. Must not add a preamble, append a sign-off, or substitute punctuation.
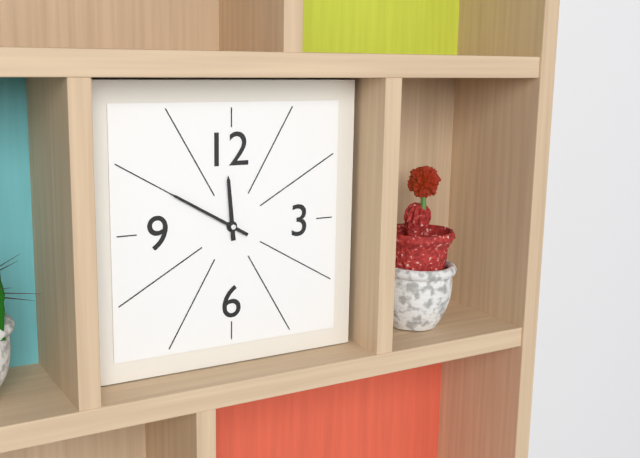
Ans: {"hour": 11, "minute": 50}
